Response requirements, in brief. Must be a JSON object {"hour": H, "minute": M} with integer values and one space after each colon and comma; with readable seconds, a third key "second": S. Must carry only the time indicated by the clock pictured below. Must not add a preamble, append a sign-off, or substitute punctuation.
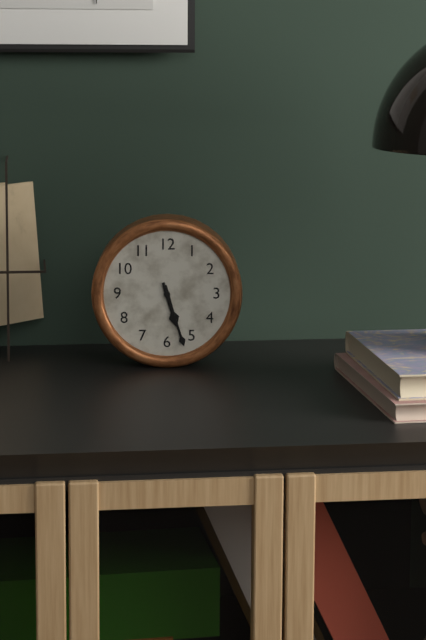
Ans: {"hour": 5, "minute": 27}
